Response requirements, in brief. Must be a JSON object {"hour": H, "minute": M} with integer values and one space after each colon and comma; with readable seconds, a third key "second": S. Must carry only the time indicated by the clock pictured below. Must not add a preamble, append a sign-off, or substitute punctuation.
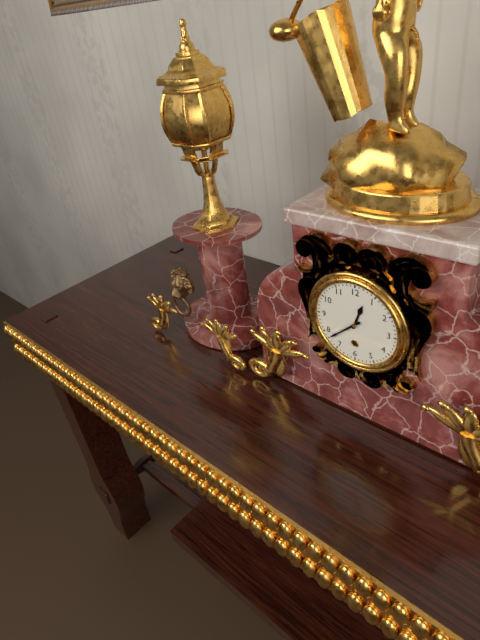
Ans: {"hour": 12, "minute": 38}
